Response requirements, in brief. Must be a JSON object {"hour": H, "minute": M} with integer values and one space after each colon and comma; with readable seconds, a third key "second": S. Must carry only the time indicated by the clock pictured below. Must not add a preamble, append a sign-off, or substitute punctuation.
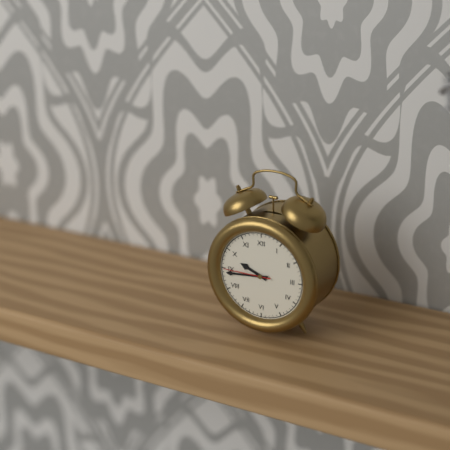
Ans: {"hour": 9, "minute": 44}
